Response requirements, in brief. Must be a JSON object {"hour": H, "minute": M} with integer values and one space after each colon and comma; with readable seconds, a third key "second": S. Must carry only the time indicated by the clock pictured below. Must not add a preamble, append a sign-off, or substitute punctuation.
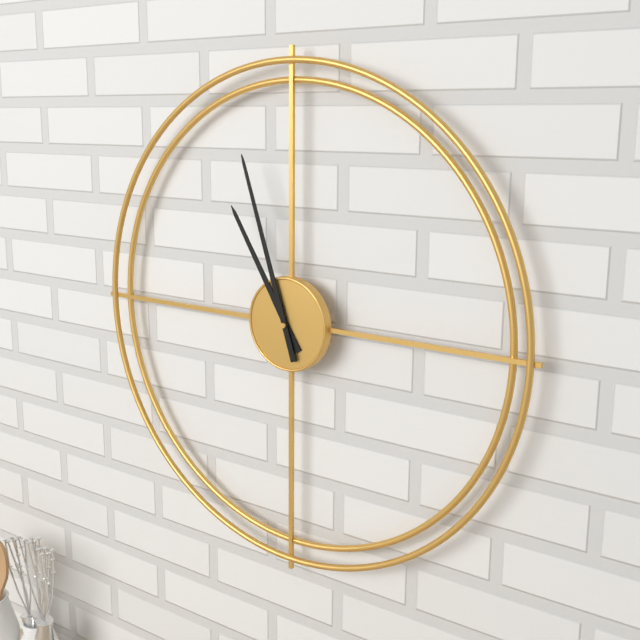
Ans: {"hour": 10, "minute": 57}
